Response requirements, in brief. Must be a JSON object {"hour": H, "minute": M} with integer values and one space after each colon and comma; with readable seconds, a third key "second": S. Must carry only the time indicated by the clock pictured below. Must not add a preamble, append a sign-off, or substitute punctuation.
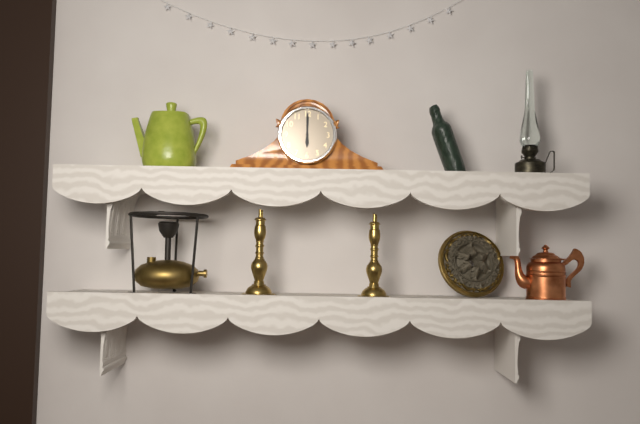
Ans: {"hour": 6, "minute": 0}
